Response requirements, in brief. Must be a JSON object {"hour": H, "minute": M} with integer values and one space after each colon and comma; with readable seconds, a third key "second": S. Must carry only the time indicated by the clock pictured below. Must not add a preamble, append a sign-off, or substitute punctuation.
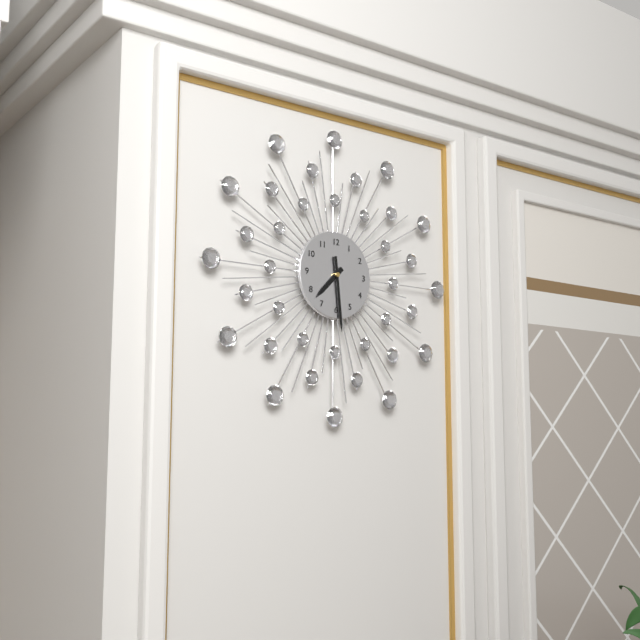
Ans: {"hour": 7, "minute": 29}
